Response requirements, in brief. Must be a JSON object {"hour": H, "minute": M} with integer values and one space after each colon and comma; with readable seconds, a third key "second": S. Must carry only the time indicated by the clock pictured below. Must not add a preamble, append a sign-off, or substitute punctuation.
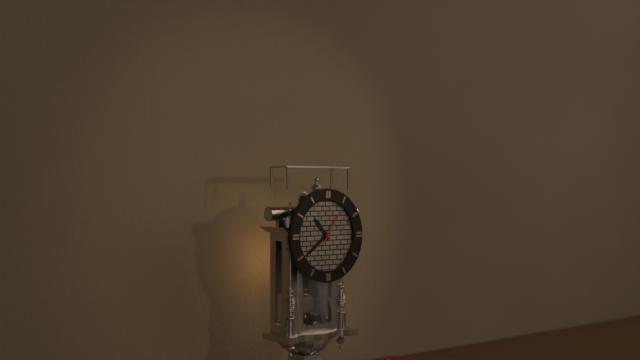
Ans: {"hour": 10, "minute": 39}
